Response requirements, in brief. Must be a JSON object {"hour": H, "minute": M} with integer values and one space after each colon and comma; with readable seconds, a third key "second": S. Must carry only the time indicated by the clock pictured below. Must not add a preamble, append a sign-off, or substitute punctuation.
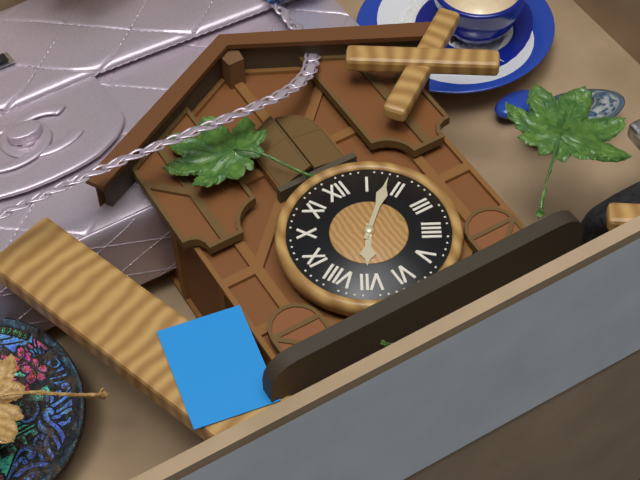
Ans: {"hour": 7, "minute": 8}
